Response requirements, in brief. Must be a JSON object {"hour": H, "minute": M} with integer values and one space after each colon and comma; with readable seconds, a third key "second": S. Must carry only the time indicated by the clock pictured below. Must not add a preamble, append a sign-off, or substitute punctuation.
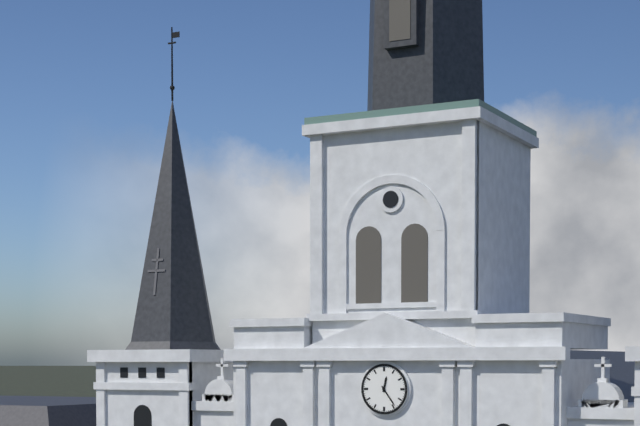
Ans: {"hour": 12, "minute": 24}
